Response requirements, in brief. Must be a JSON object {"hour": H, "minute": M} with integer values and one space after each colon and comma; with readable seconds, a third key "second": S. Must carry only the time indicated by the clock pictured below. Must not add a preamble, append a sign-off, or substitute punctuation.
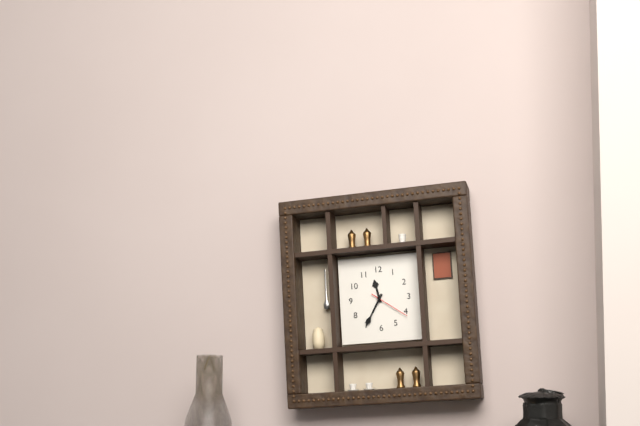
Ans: {"hour": 11, "minute": 35}
